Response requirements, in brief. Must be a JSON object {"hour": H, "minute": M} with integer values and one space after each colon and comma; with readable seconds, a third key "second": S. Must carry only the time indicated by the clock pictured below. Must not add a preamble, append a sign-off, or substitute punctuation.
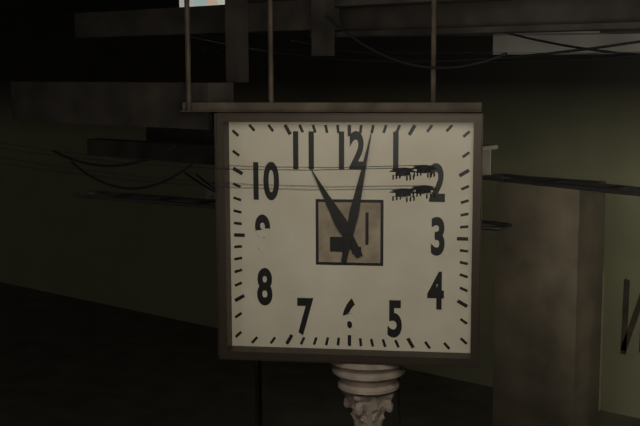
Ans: {"hour": 11, "minute": 2}
